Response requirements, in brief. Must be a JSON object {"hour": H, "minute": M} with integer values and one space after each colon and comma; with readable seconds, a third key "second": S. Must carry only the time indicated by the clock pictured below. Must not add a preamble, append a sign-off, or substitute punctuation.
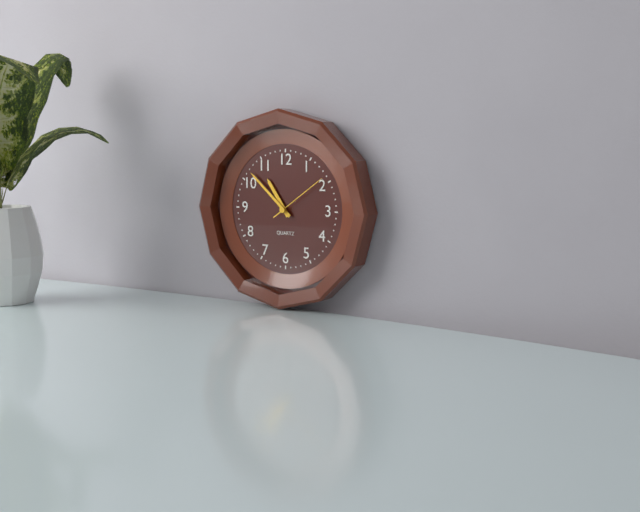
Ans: {"hour": 10, "minute": 52, "second": 9}
